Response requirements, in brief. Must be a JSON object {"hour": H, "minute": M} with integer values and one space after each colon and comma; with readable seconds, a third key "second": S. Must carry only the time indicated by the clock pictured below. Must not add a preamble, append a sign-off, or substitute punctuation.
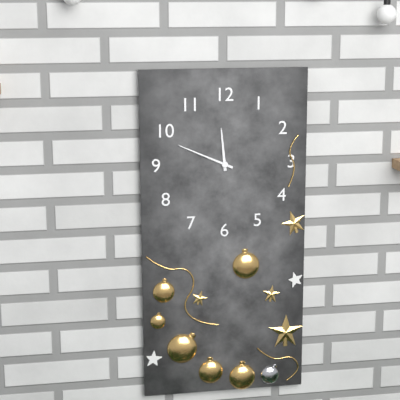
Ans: {"hour": 11, "minute": 49}
